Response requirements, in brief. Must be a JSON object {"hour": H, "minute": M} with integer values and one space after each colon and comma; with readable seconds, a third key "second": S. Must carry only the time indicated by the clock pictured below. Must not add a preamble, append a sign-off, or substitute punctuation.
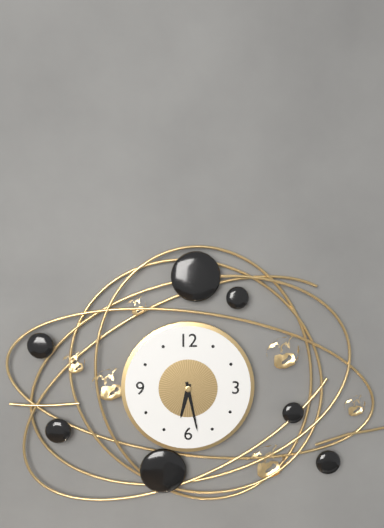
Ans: {"hour": 6, "minute": 28}
